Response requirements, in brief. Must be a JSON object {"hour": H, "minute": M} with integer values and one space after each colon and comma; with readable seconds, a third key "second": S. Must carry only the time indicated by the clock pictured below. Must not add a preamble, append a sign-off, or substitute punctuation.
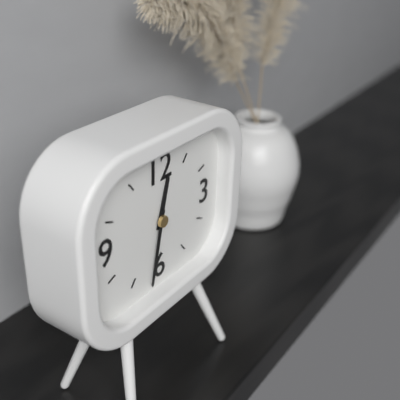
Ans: {"hour": 12, "minute": 32}
